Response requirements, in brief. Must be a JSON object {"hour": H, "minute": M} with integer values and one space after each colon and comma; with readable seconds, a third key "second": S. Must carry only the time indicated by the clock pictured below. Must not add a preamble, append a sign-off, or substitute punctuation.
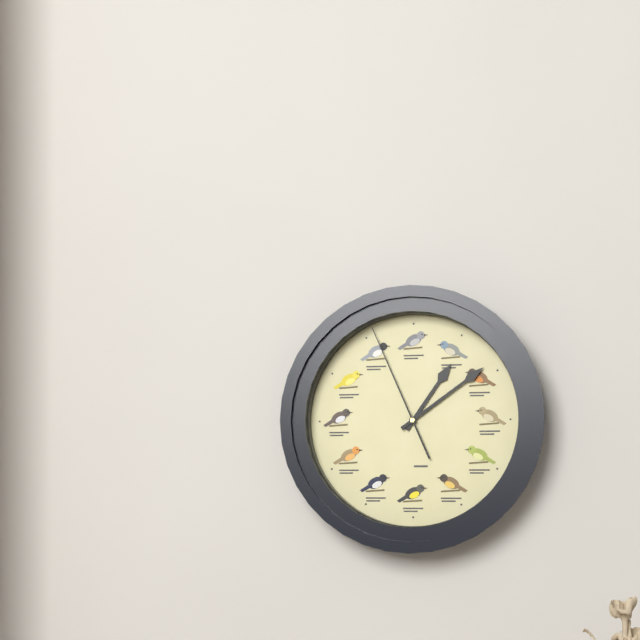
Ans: {"hour": 1, "minute": 9, "second": 56}
